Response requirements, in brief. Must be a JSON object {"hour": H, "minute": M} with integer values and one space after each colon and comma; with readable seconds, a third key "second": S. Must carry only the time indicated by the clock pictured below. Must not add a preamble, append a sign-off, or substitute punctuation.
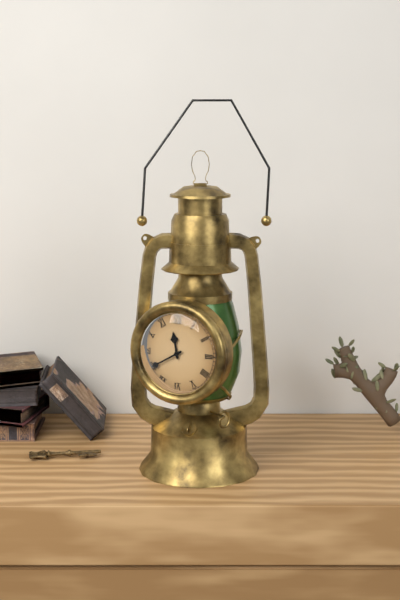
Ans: {"hour": 11, "minute": 40}
